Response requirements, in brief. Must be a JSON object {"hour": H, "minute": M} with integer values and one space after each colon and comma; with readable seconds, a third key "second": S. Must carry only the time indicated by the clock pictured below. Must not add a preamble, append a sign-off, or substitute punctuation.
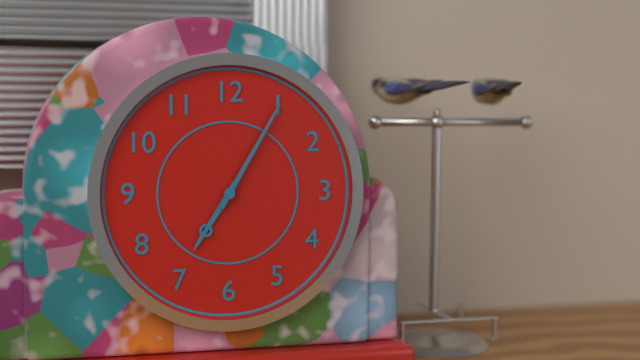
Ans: {"hour": 7, "minute": 5}
